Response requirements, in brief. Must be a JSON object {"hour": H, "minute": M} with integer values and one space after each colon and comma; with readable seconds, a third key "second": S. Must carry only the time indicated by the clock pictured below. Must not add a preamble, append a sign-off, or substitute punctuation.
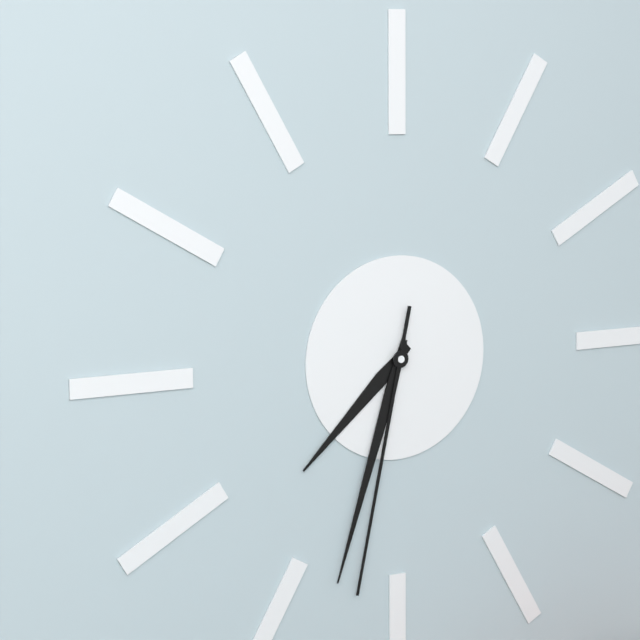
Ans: {"hour": 7, "minute": 33, "second": 32}
